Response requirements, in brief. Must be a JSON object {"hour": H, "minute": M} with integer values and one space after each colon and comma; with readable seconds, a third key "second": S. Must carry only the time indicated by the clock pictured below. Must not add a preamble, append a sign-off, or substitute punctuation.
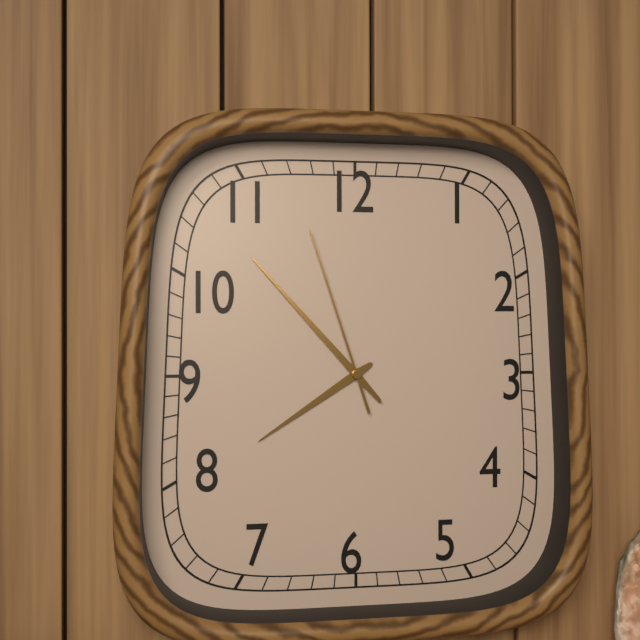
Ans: {"hour": 7, "minute": 53, "second": 57}
